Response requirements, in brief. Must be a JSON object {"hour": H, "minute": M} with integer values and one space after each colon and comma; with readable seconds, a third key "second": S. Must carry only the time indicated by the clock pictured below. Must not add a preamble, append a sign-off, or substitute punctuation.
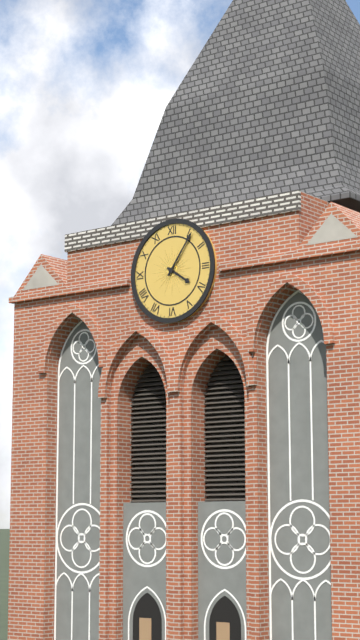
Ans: {"hour": 4, "minute": 6}
